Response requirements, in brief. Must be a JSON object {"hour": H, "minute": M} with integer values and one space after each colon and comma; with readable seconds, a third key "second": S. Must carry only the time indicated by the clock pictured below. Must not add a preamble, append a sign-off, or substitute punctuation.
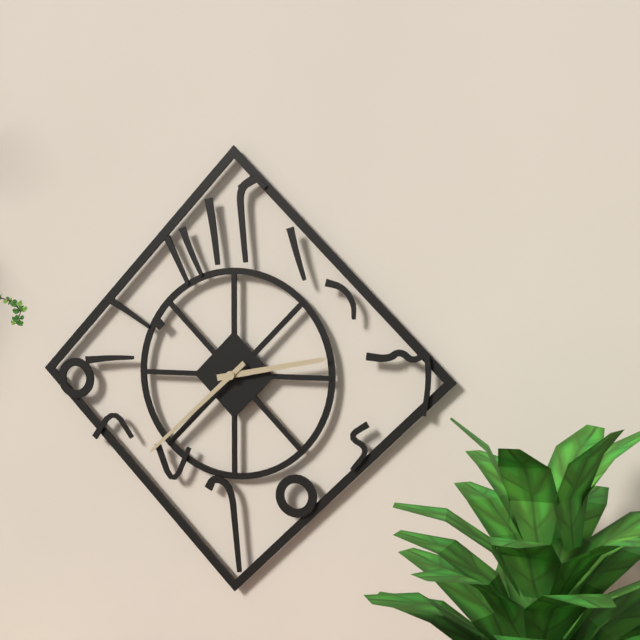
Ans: {"hour": 2, "minute": 38}
